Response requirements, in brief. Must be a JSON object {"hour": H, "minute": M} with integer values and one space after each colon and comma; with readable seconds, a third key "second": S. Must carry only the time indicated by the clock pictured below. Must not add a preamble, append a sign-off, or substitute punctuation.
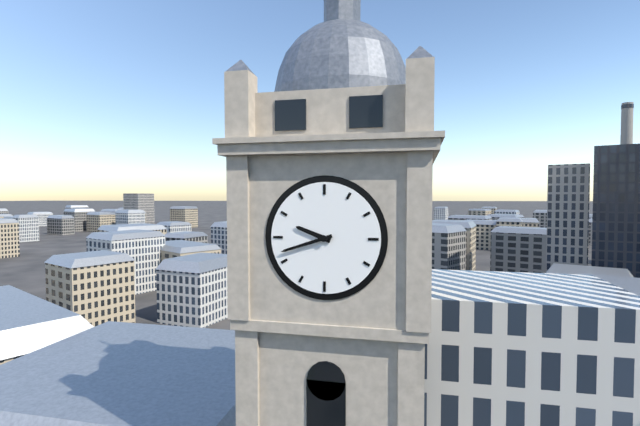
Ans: {"hour": 9, "minute": 42}
